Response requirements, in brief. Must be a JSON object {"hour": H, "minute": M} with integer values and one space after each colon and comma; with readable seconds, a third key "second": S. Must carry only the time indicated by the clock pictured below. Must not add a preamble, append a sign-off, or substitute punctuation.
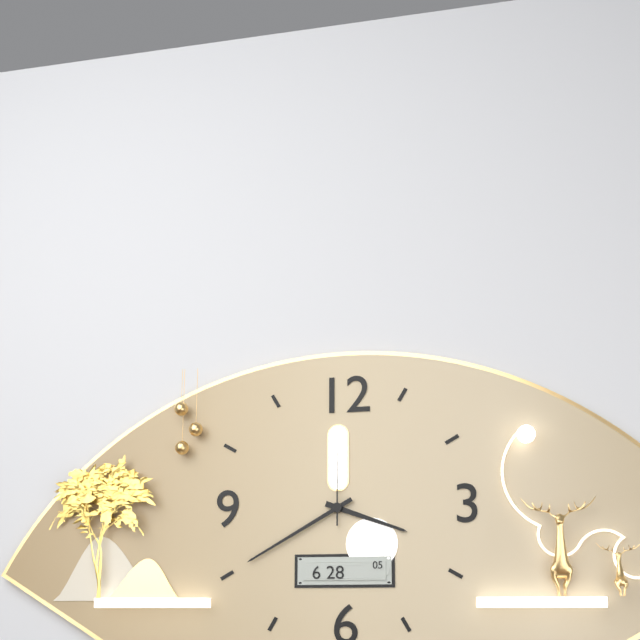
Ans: {"hour": 3, "minute": 40, "second": 0}
